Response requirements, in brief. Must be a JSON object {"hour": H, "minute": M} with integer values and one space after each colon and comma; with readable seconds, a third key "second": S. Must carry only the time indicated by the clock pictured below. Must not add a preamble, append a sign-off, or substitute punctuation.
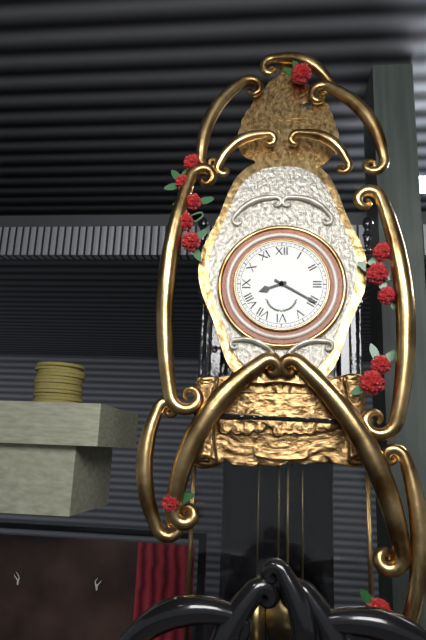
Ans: {"hour": 8, "minute": 20}
